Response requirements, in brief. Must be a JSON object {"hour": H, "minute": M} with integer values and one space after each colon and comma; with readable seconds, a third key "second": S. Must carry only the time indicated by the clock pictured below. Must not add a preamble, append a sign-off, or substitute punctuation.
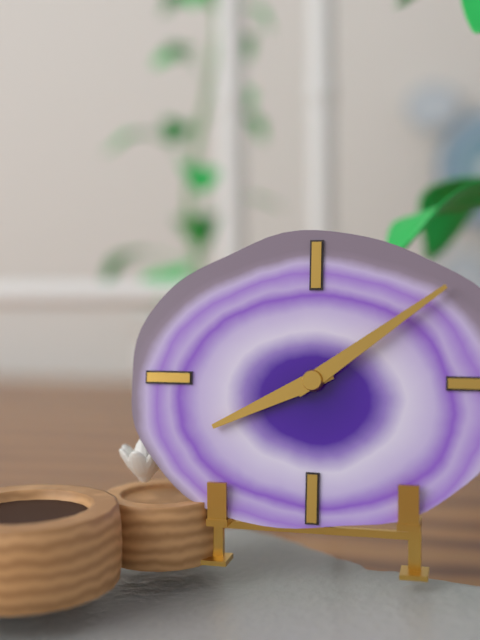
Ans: {"hour": 8, "minute": 9}
